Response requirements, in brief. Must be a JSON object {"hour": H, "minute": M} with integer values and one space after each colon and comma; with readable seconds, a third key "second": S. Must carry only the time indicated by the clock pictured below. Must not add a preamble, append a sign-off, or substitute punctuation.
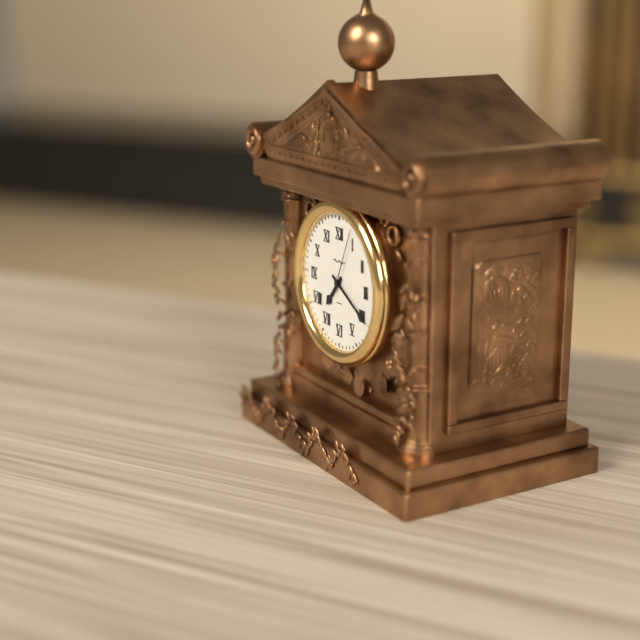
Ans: {"hour": 7, "minute": 20, "second": 4}
